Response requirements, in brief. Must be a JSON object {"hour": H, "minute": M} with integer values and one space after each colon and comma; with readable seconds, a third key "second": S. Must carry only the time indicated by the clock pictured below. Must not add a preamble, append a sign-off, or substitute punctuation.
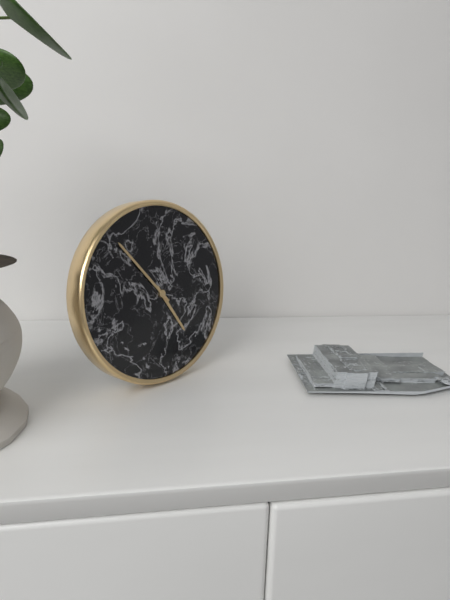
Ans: {"hour": 4, "minute": 53}
